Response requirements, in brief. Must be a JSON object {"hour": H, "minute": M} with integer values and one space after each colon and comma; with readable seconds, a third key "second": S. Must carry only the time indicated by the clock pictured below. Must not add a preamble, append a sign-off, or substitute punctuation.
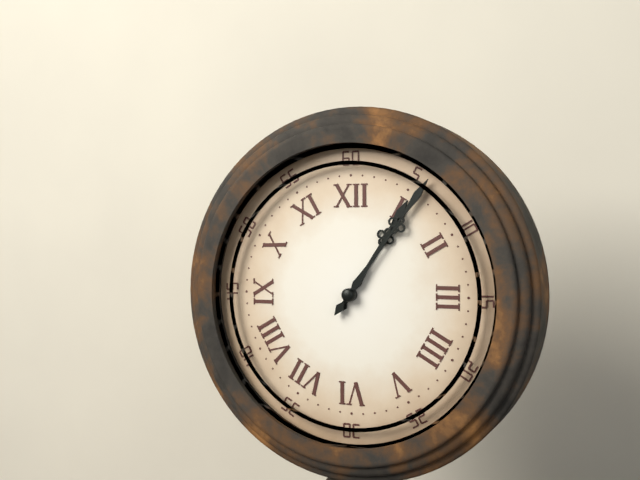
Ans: {"hour": 1, "minute": 6}
